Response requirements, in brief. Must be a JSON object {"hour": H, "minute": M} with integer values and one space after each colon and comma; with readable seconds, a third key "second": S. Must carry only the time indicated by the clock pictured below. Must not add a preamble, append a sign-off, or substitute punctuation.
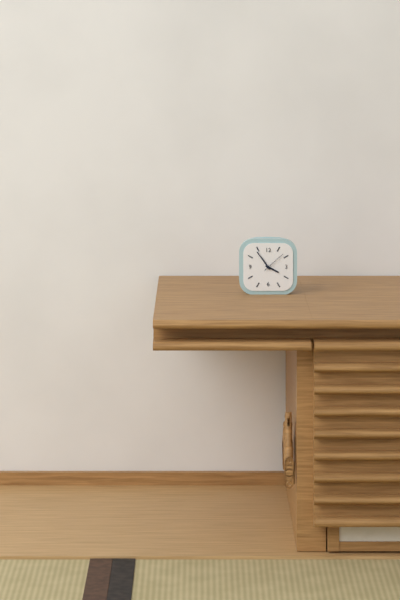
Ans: {"hour": 3, "minute": 54}
